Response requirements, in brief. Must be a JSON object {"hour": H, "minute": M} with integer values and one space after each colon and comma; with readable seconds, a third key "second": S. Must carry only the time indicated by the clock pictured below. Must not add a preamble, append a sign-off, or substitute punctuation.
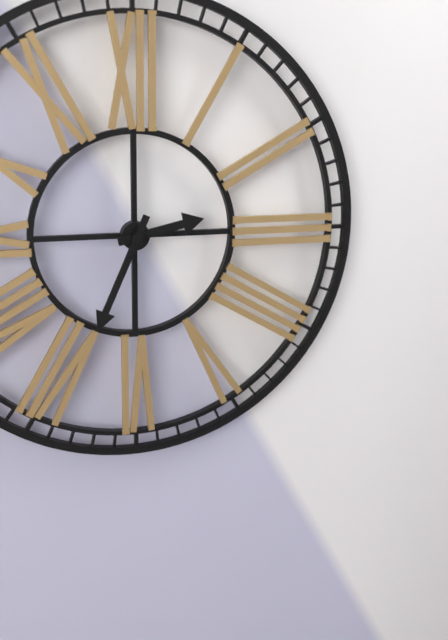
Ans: {"hour": 2, "minute": 34}
